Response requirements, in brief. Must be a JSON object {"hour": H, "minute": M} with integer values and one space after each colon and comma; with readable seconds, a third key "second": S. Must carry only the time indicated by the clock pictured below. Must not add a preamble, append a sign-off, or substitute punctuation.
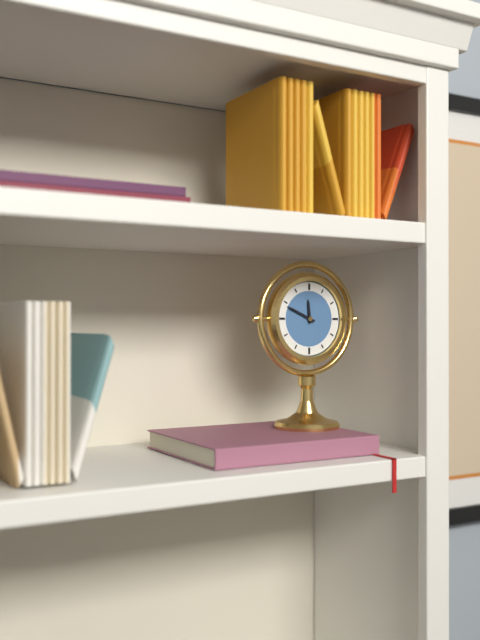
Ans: {"hour": 11, "minute": 49}
